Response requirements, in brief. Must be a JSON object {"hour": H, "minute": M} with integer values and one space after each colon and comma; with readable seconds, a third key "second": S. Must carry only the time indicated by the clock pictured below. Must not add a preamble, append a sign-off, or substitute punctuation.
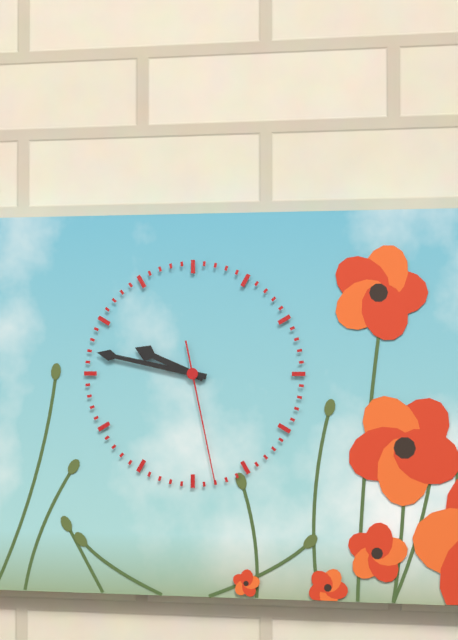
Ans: {"hour": 9, "minute": 47, "second": 28}
